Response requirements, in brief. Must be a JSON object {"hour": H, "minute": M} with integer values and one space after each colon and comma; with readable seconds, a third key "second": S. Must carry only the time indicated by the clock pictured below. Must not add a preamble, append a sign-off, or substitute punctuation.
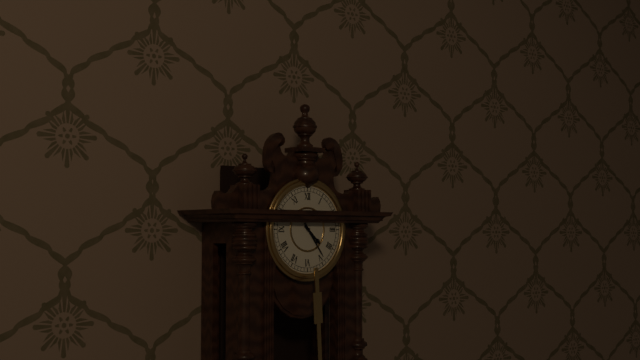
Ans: {"hour": 4, "minute": 24}
